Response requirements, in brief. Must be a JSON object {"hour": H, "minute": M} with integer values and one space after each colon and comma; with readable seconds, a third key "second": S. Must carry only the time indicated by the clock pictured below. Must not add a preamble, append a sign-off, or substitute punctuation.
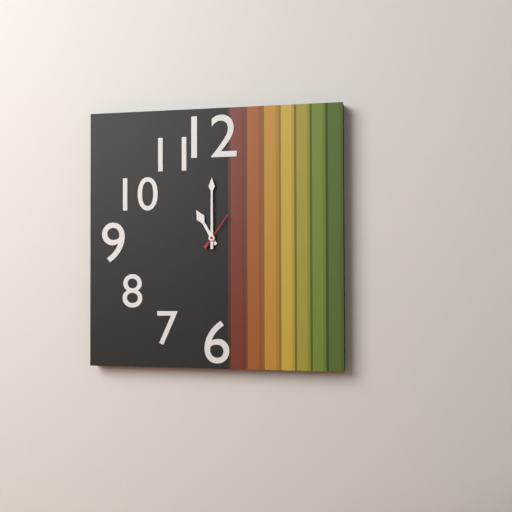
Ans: {"hour": 11, "minute": 0}
